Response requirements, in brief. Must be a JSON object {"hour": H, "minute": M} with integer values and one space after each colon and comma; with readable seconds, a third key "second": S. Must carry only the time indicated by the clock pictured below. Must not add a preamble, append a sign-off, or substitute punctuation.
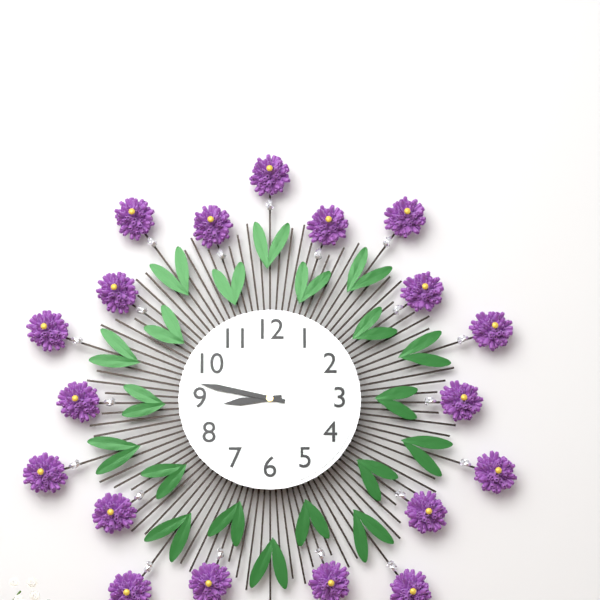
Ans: {"hour": 8, "minute": 47}
